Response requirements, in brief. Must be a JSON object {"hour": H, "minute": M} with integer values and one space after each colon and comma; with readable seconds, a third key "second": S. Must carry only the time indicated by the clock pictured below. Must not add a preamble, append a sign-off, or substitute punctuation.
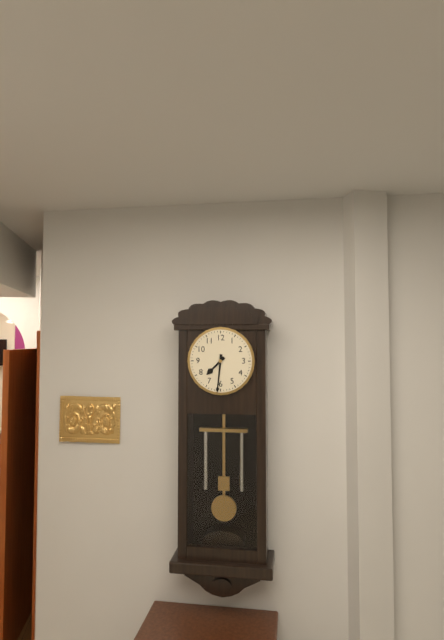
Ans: {"hour": 7, "minute": 31}
